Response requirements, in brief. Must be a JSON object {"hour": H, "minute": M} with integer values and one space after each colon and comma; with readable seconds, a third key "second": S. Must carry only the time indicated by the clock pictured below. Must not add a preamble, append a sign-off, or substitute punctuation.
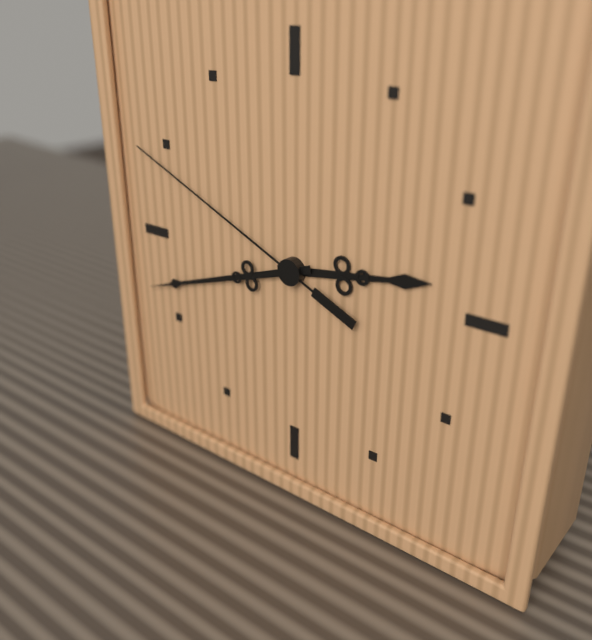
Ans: {"hour": 2, "minute": 42, "second": 49}
